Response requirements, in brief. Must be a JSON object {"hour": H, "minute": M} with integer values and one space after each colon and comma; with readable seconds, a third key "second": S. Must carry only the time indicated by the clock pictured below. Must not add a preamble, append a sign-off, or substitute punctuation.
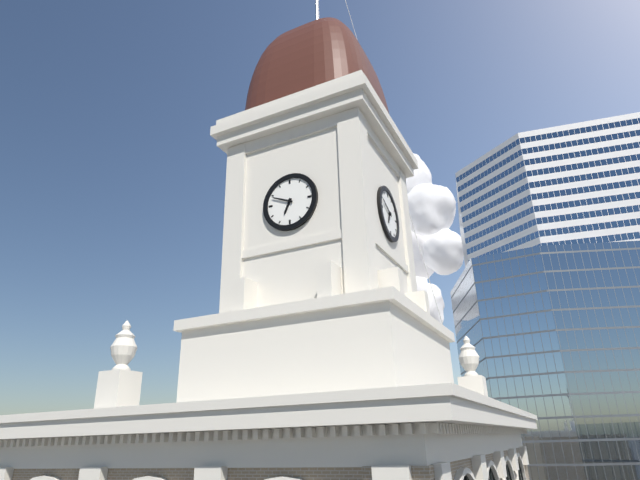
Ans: {"hour": 6, "minute": 49}
